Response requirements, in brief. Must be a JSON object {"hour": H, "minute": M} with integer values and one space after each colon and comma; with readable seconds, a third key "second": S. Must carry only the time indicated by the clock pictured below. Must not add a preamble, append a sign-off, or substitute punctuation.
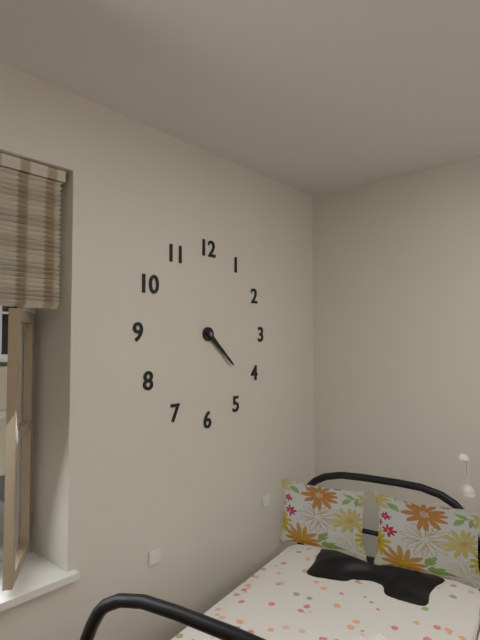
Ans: {"hour": 4, "minute": 22}
